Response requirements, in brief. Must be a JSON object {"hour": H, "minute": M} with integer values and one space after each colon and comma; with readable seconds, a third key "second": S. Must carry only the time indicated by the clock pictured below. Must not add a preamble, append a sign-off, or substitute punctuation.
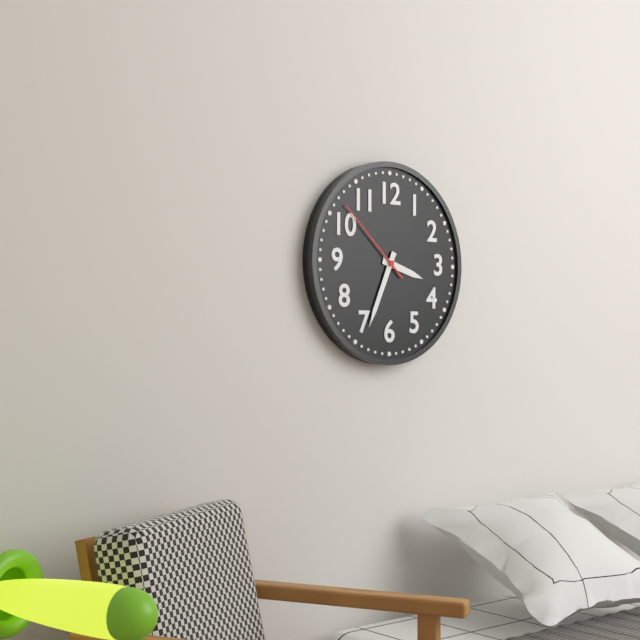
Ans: {"hour": 3, "minute": 34, "second": 52}
